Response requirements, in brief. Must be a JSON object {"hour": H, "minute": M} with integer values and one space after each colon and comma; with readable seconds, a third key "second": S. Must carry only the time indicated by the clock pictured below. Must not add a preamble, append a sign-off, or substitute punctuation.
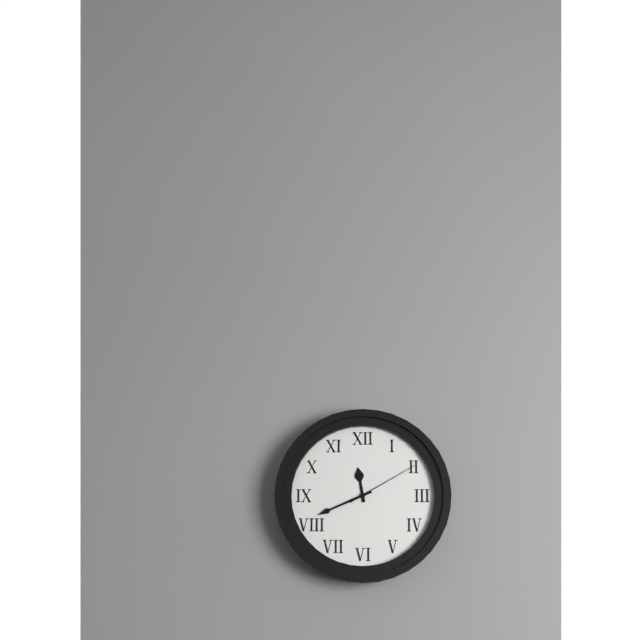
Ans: {"hour": 11, "minute": 41, "second": 10}
